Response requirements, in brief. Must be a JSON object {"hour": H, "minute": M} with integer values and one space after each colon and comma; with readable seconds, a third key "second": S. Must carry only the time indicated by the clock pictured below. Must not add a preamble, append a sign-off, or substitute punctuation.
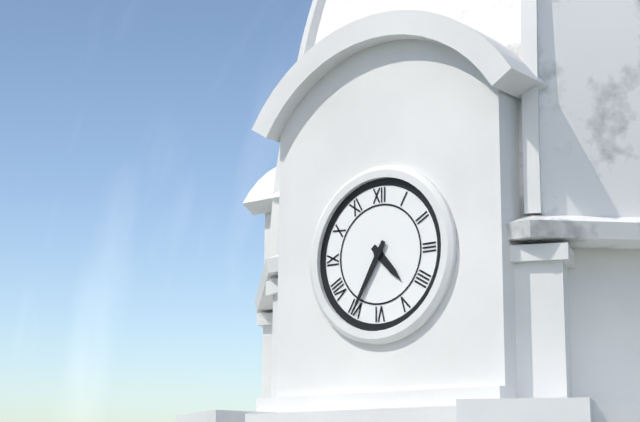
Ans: {"hour": 4, "minute": 35}
